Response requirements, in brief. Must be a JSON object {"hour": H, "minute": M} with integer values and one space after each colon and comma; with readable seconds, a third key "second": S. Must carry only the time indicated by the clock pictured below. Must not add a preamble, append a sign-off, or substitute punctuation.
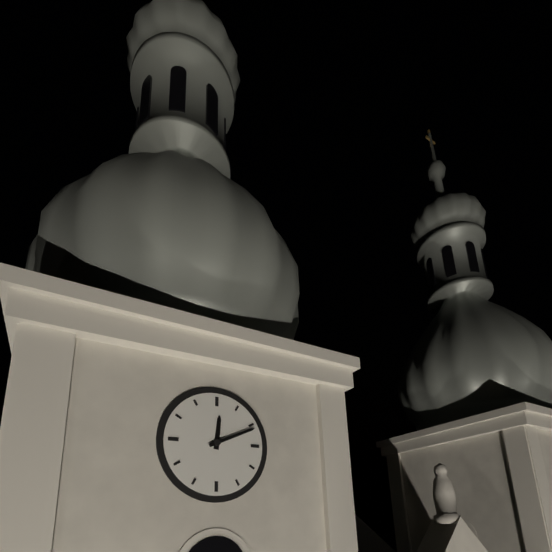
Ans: {"hour": 12, "minute": 11}
